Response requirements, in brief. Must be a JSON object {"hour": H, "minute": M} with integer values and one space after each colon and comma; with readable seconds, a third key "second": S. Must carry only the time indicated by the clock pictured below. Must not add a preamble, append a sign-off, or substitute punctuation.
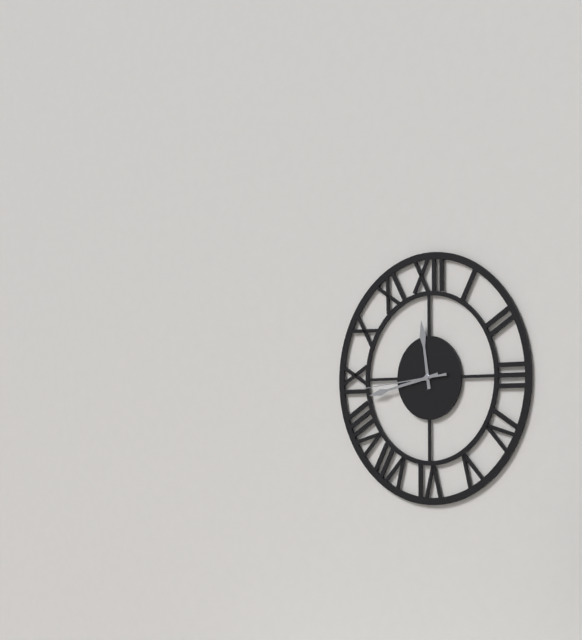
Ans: {"hour": 11, "minute": 43, "second": 44}
